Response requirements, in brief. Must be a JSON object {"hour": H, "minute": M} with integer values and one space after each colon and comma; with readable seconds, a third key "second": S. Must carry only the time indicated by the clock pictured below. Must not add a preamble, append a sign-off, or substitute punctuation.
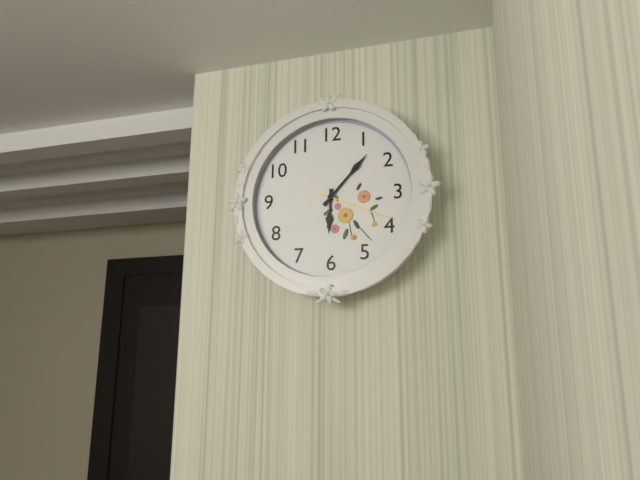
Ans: {"hour": 6, "minute": 7, "second": 19}
